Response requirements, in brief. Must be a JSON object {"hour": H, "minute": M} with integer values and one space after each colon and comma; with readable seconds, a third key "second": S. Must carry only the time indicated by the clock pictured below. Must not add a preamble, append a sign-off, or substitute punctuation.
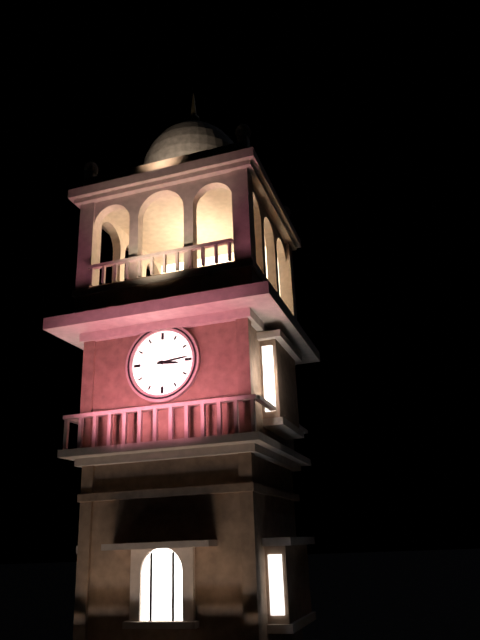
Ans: {"hour": 3, "minute": 14}
